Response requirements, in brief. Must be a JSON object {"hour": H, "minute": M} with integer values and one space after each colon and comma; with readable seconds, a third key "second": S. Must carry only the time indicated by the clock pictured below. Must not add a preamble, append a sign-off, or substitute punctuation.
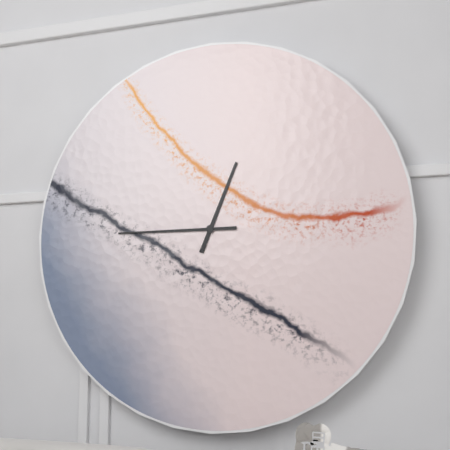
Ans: {"hour": 12, "minute": 45}
